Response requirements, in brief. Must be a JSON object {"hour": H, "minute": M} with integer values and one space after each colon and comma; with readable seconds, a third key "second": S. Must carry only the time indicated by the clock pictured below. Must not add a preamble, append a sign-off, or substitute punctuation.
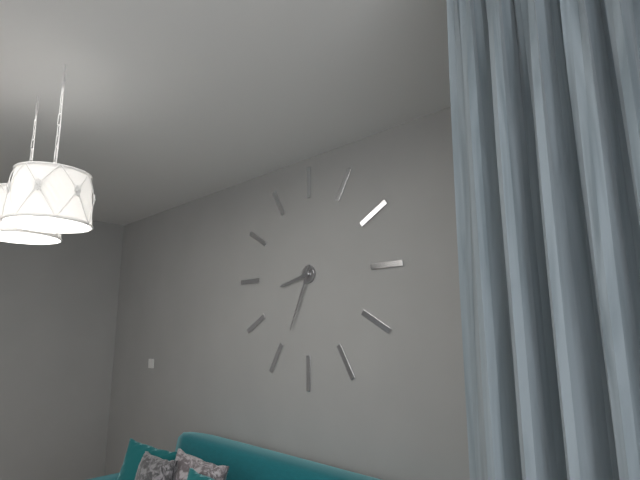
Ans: {"hour": 8, "minute": 34}
